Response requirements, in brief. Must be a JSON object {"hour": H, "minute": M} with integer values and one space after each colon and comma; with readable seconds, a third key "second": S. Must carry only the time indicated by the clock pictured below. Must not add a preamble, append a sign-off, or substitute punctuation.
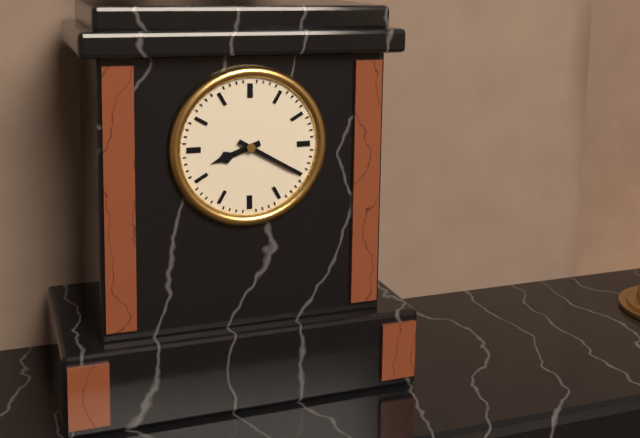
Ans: {"hour": 8, "minute": 20}
